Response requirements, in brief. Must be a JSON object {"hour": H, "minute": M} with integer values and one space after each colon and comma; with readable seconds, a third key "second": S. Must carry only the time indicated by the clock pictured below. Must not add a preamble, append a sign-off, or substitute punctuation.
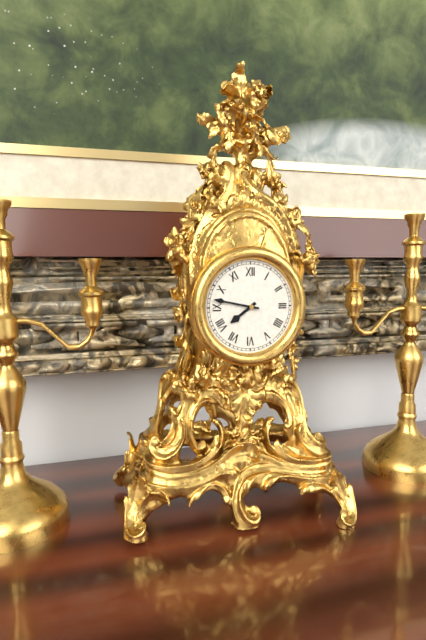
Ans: {"hour": 7, "minute": 47}
